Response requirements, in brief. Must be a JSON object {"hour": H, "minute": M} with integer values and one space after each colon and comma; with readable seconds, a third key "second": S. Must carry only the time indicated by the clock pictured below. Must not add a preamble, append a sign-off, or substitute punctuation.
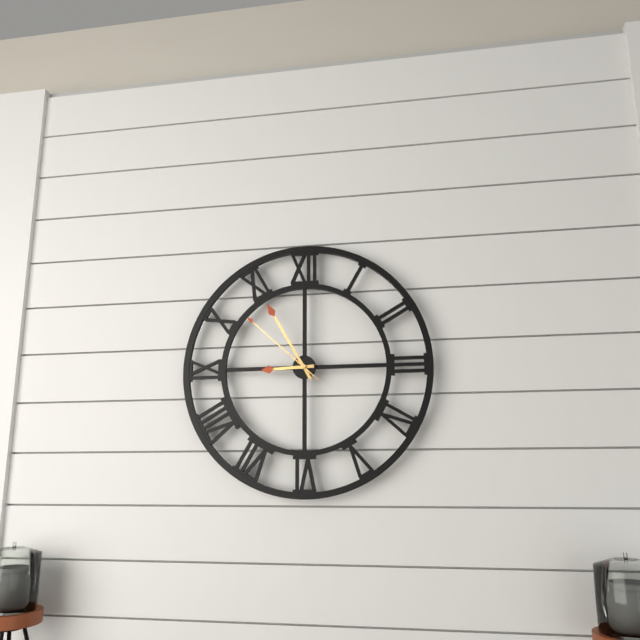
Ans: {"hour": 8, "minute": 55, "second": 52}
